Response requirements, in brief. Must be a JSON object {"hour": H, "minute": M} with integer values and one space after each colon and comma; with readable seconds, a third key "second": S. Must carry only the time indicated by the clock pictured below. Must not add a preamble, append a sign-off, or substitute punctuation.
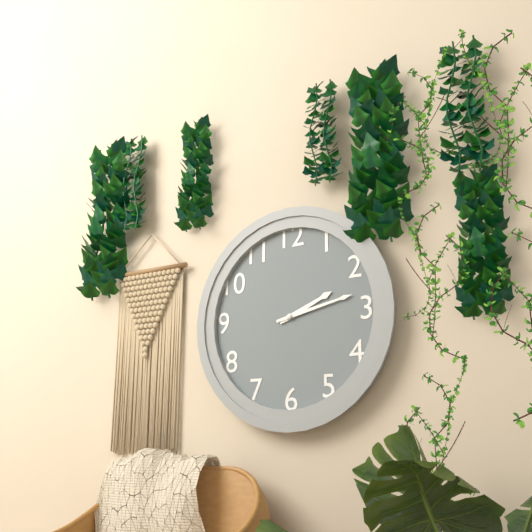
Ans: {"hour": 2, "minute": 13}
